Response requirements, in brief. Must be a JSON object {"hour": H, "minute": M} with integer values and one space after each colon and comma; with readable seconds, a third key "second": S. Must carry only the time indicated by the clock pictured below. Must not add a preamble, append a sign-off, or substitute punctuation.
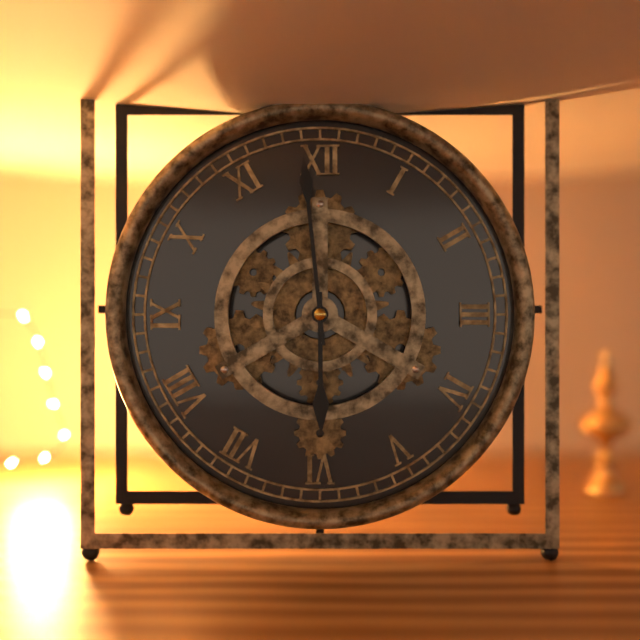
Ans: {"hour": 5, "minute": 59}
